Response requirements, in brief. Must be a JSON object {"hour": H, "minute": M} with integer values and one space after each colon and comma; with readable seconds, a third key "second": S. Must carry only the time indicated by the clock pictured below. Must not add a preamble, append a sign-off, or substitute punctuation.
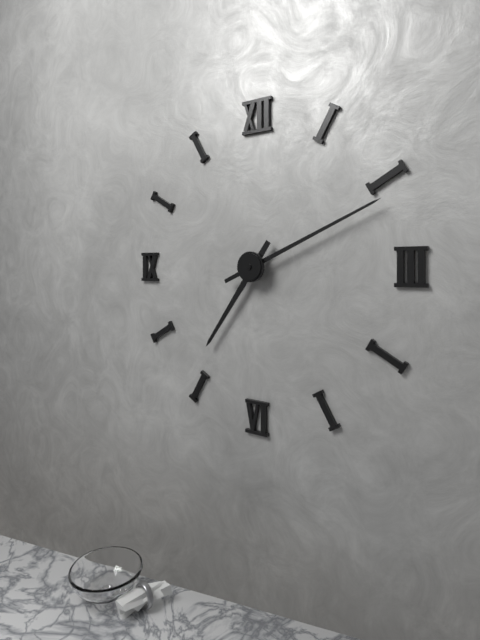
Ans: {"hour": 7, "minute": 11}
